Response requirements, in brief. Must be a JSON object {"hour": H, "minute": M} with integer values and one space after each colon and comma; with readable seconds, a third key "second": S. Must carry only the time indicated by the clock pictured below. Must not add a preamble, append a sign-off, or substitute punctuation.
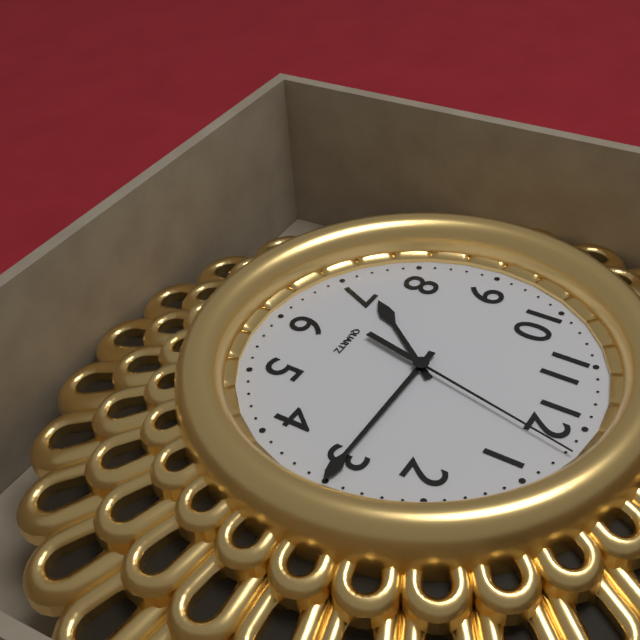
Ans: {"hour": 7, "minute": 15, "second": 2}
